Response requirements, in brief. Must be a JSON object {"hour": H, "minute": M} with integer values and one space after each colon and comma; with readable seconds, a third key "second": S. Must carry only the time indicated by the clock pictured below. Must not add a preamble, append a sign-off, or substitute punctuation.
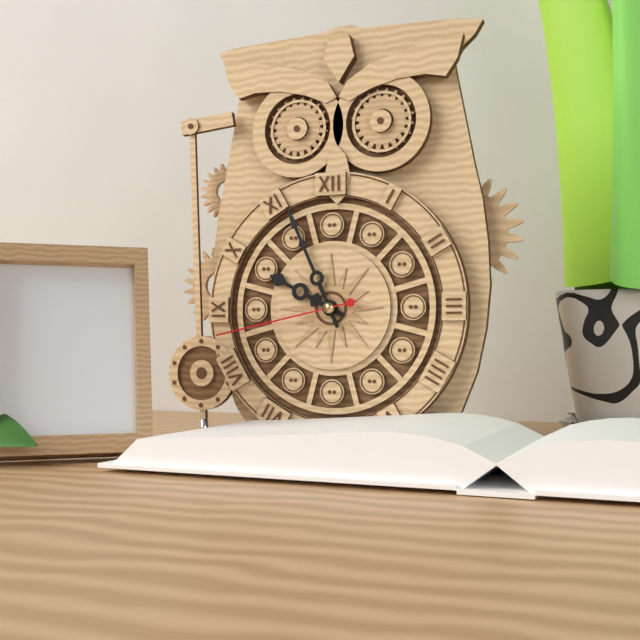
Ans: {"hour": 9, "minute": 56, "second": 43}
